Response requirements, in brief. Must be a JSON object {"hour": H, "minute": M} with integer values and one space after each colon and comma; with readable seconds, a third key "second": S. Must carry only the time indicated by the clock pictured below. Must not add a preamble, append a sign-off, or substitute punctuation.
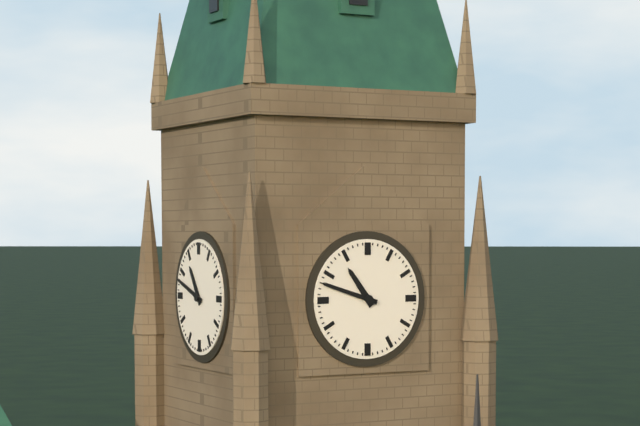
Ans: {"hour": 10, "minute": 48}
